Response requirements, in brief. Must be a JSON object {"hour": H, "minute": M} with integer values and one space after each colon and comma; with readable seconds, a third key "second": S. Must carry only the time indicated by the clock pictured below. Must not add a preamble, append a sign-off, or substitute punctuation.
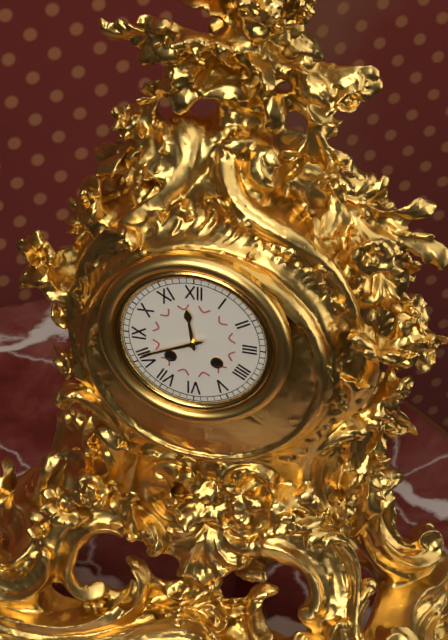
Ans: {"hour": 11, "minute": 41}
